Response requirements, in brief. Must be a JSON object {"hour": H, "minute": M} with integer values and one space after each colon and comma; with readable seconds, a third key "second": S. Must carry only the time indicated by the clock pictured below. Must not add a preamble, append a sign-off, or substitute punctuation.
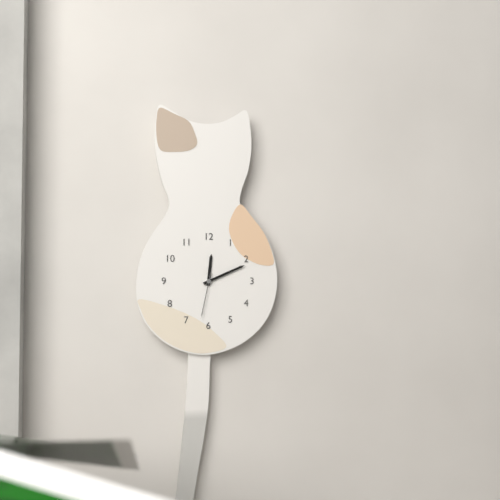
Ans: {"hour": 12, "minute": 11}
